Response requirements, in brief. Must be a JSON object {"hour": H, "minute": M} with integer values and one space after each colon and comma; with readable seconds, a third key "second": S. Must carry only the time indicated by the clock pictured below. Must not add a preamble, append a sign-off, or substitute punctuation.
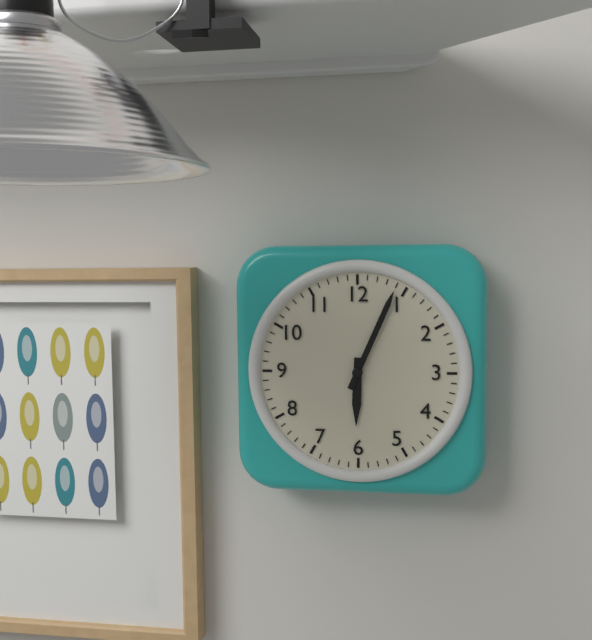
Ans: {"hour": 6, "minute": 4}
